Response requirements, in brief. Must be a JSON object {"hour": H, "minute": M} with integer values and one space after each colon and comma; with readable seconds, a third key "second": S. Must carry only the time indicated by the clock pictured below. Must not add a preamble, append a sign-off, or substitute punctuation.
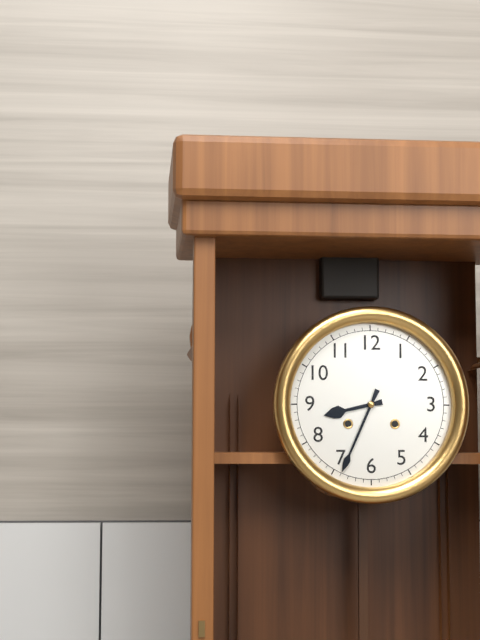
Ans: {"hour": 8, "minute": 34}
